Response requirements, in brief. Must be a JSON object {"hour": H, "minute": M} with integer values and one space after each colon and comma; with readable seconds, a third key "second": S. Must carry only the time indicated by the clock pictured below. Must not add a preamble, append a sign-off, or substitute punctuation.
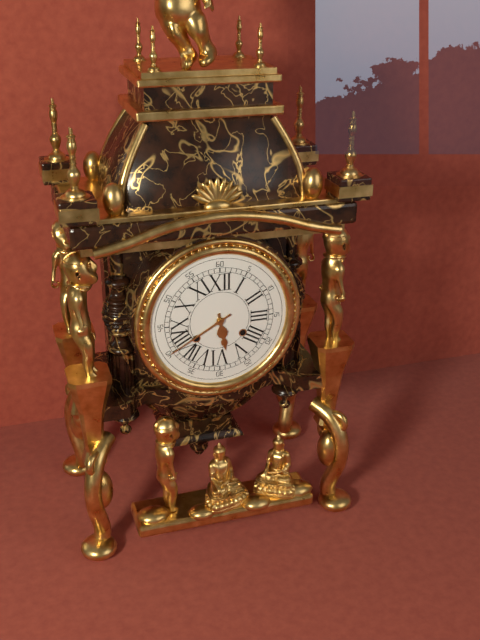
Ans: {"hour": 5, "minute": 40}
